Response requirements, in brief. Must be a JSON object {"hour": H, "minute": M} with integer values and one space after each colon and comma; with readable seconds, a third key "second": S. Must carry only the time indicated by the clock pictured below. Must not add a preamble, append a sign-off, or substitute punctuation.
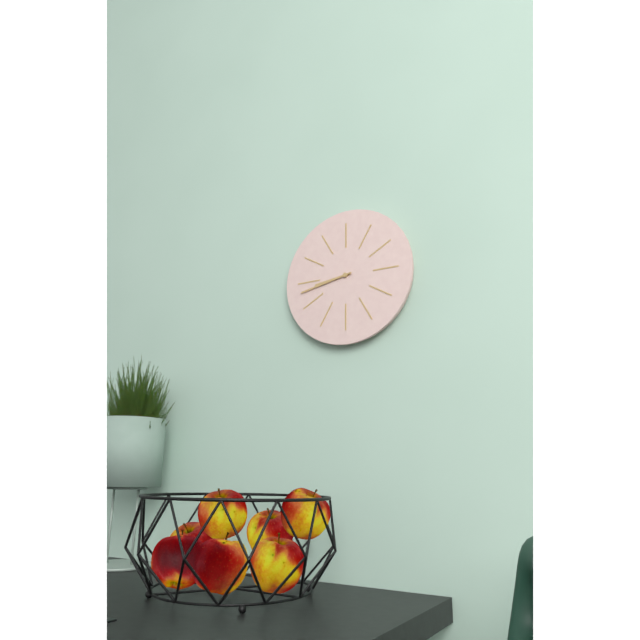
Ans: {"hour": 8, "minute": 43}
